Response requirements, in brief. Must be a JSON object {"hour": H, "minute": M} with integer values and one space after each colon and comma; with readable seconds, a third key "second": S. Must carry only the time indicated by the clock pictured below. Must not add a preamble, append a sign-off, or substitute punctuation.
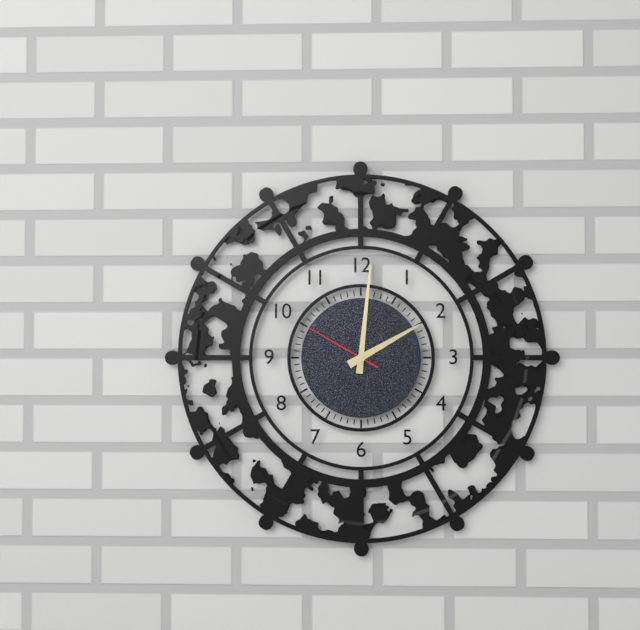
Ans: {"hour": 2, "minute": 1, "second": 50}
